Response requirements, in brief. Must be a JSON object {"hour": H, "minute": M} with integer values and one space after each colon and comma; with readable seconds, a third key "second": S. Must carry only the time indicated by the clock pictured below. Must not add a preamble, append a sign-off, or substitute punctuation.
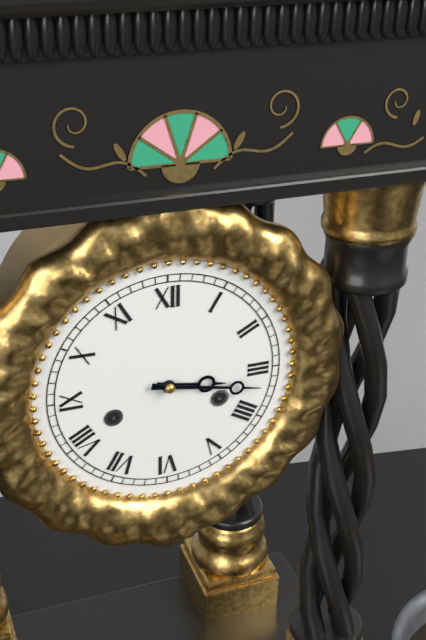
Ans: {"hour": 3, "minute": 17}
